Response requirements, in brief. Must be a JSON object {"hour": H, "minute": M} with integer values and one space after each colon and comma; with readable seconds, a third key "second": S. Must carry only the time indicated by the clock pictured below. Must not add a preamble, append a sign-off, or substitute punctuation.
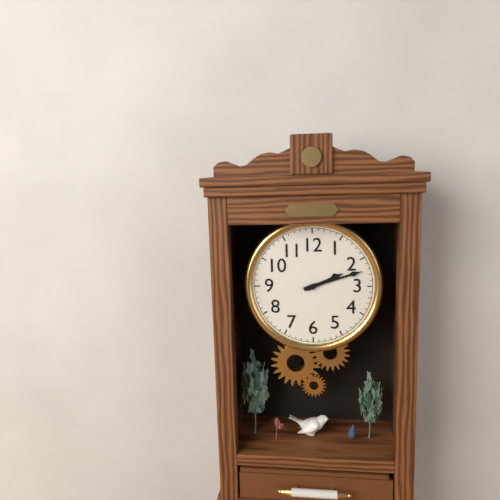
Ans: {"hour": 2, "minute": 12}
